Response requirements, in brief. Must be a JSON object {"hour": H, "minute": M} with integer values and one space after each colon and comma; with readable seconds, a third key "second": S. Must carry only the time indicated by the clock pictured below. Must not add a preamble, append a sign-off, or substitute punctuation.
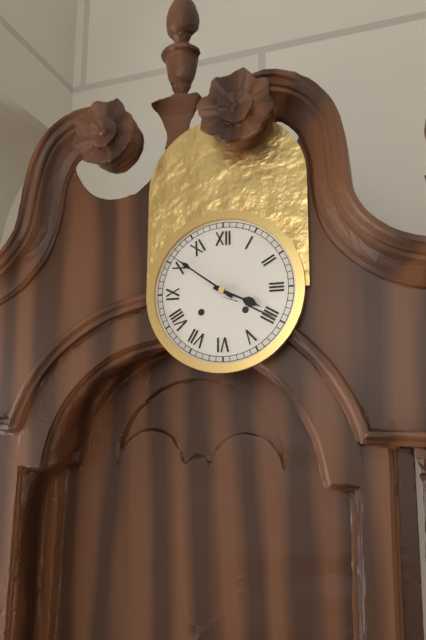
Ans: {"hour": 3, "minute": 51}
